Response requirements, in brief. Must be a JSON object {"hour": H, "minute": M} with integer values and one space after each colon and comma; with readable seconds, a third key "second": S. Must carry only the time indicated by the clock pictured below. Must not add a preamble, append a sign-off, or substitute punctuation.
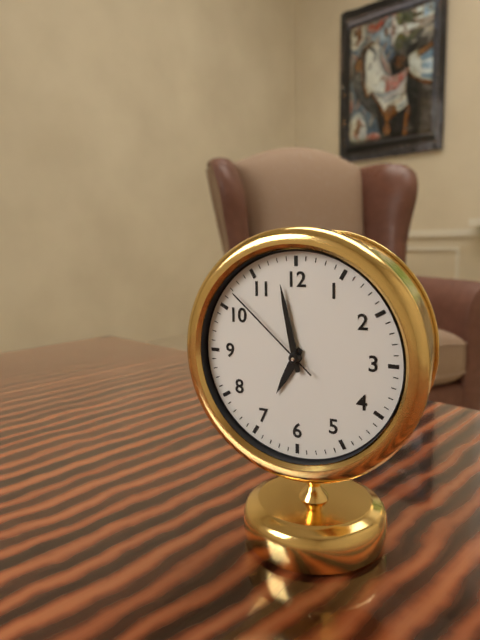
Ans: {"hour": 6, "minute": 58, "second": 52}
